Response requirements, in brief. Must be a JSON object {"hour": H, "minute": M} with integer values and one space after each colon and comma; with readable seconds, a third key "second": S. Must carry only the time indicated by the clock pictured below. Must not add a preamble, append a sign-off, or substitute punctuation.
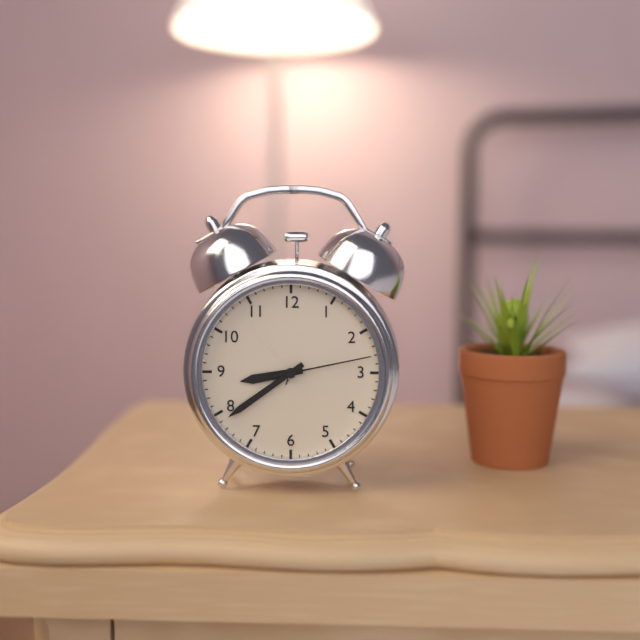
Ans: {"hour": 8, "minute": 39, "second": 13}
